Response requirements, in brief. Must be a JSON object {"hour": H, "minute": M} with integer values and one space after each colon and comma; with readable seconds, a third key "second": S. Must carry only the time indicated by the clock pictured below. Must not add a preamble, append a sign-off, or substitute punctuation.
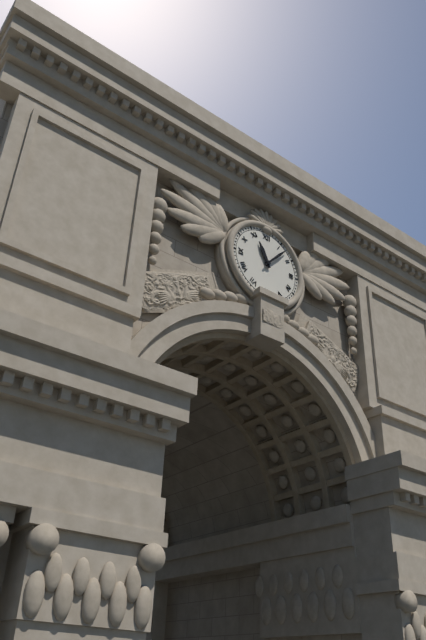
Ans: {"hour": 11, "minute": 7}
